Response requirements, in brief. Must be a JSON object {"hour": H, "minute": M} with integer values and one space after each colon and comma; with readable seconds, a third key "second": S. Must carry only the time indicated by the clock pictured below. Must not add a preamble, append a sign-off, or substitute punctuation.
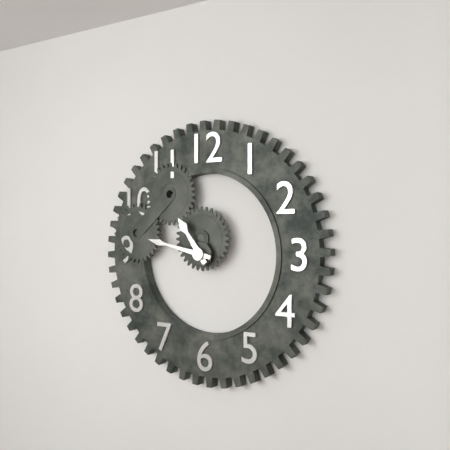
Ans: {"hour": 10, "minute": 47}
